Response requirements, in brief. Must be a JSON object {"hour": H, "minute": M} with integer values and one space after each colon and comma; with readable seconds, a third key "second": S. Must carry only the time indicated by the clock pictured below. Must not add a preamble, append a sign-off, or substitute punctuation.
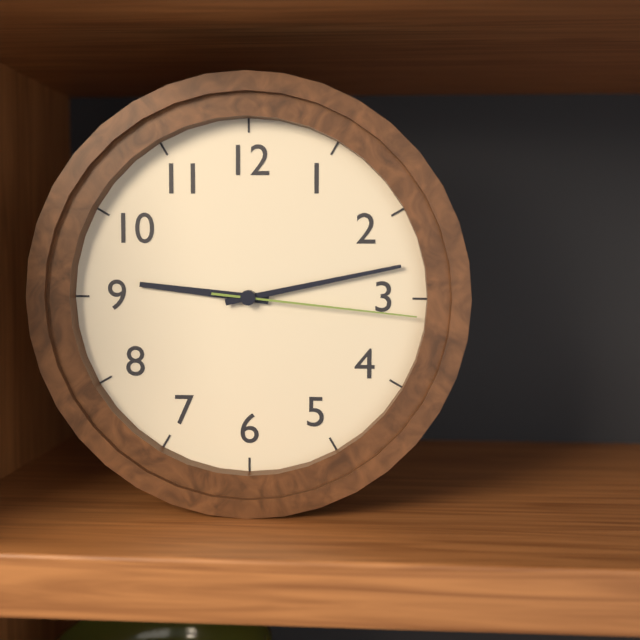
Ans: {"hour": 9, "minute": 13, "second": 16}
